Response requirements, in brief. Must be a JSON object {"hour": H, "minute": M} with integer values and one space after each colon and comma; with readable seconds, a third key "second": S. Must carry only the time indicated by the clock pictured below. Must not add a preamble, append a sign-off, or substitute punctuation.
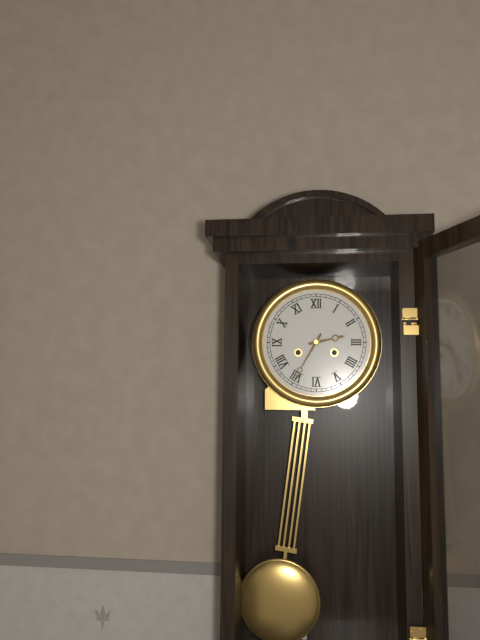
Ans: {"hour": 2, "minute": 35}
